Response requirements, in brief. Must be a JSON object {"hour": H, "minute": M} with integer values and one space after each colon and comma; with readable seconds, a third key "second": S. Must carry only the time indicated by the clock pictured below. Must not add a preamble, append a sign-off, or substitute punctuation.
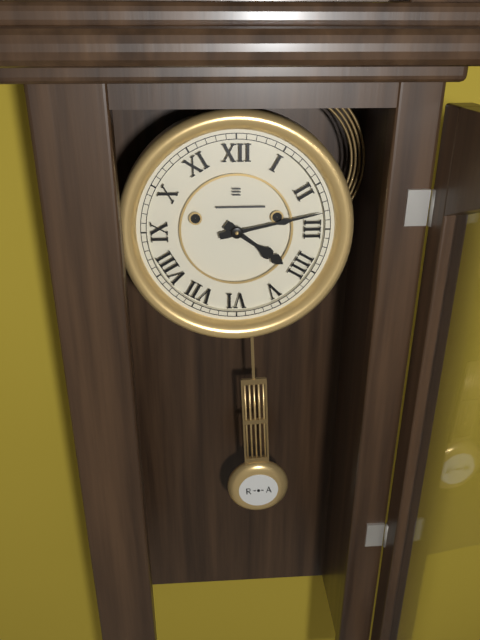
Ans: {"hour": 4, "minute": 13}
